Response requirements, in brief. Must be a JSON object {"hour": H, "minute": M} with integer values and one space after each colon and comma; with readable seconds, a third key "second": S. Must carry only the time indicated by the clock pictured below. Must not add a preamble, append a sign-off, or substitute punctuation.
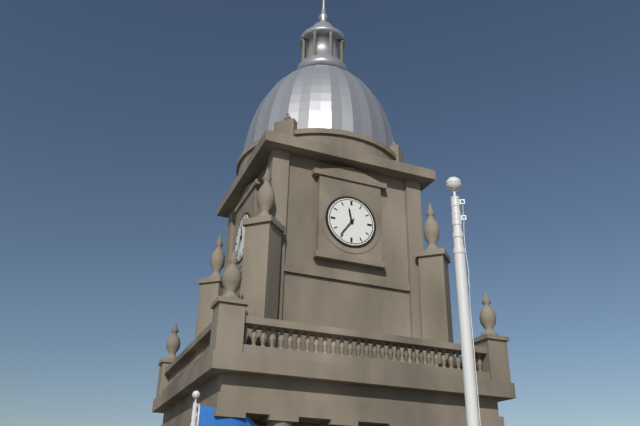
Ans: {"hour": 11, "minute": 36}
